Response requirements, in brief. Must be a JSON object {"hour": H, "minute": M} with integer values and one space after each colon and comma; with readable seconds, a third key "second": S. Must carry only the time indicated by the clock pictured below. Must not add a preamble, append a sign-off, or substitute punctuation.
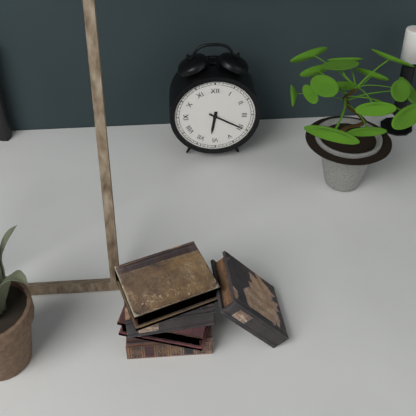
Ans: {"hour": 6, "minute": 20}
